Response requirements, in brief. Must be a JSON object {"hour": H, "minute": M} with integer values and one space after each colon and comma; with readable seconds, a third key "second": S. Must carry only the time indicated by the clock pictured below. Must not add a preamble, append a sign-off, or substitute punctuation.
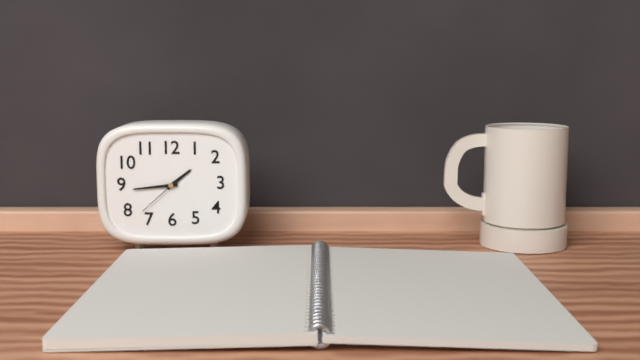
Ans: {"hour": 1, "minute": 44}
